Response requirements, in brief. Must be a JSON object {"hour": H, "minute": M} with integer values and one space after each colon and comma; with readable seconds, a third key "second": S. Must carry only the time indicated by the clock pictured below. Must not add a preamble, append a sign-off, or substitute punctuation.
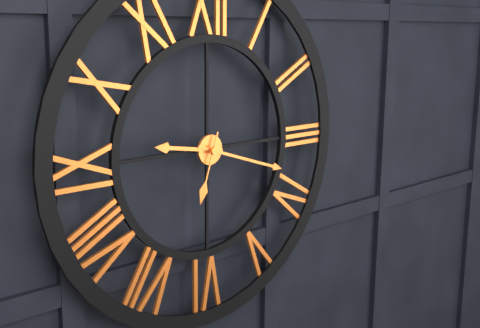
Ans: {"hour": 9, "minute": 18, "second": 33}
